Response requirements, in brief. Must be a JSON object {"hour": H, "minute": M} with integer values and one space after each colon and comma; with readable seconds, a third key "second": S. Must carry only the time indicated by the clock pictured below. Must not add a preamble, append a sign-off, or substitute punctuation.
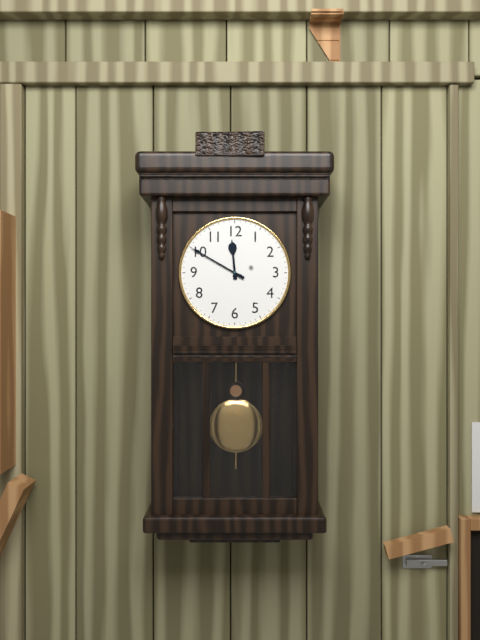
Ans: {"hour": 11, "minute": 50}
